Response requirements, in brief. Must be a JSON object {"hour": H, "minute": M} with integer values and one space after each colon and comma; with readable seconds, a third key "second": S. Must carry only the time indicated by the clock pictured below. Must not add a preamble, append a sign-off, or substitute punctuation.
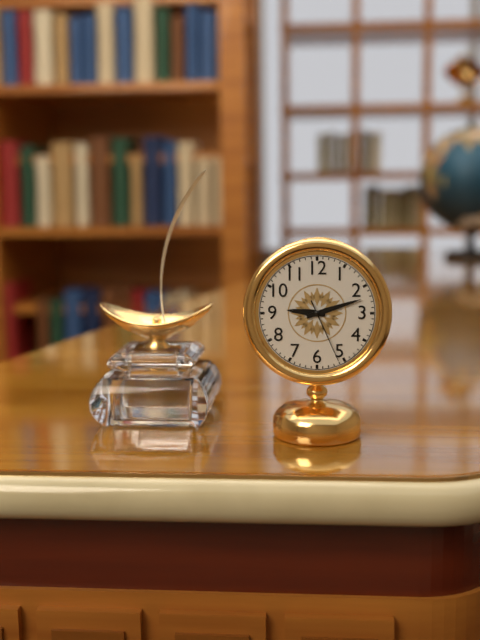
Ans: {"hour": 9, "minute": 12, "second": 26}
